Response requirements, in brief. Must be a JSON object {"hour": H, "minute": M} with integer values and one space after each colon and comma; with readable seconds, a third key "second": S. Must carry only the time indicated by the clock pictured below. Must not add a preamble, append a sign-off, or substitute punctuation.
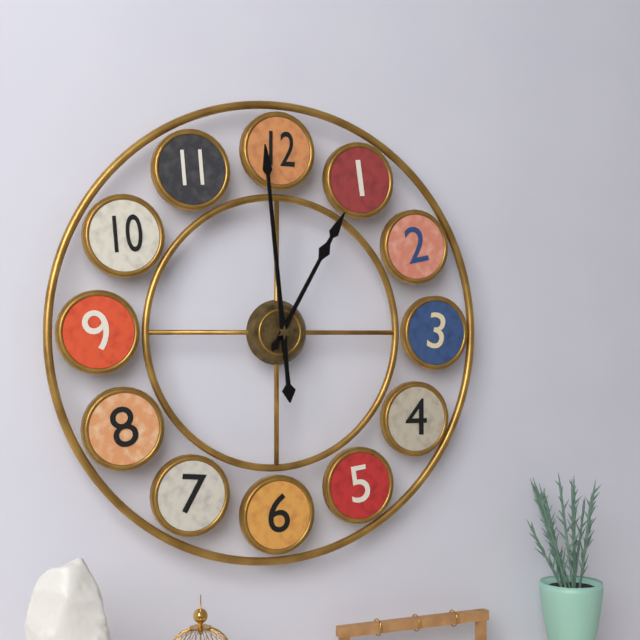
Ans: {"hour": 12, "minute": 59}
